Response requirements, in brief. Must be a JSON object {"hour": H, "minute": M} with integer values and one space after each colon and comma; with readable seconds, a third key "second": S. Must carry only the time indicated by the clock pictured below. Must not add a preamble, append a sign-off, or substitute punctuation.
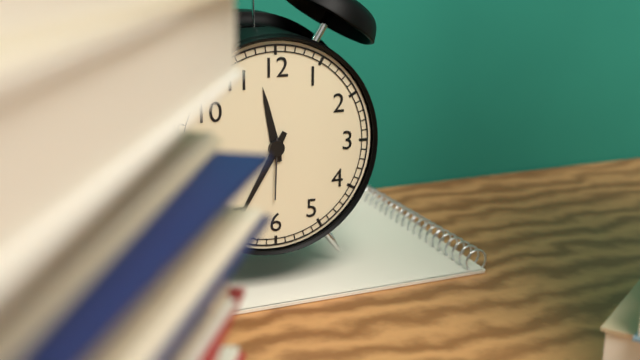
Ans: {"hour": 11, "minute": 35}
